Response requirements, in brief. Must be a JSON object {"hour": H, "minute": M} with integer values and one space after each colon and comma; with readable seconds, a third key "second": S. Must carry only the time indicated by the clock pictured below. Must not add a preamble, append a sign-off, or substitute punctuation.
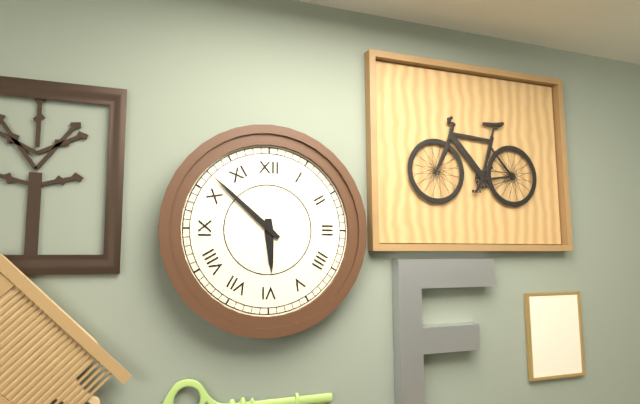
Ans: {"hour": 5, "minute": 52}
